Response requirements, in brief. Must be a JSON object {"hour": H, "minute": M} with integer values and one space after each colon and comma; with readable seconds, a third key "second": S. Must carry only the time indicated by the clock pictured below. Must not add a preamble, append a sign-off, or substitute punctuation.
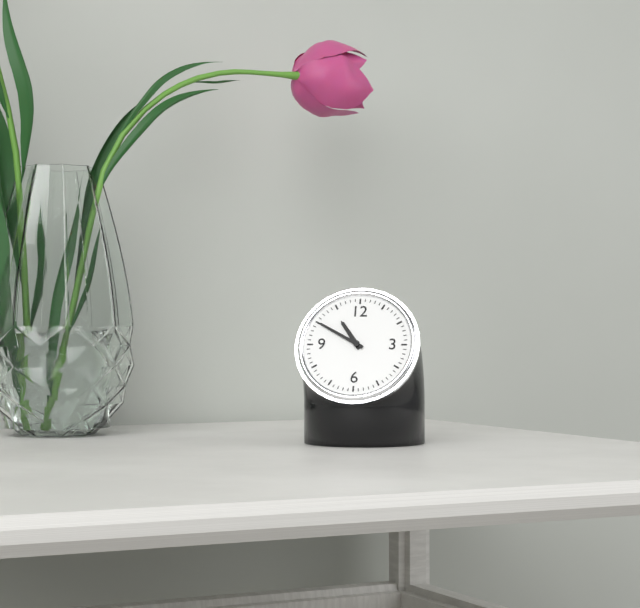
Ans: {"hour": 10, "minute": 50}
